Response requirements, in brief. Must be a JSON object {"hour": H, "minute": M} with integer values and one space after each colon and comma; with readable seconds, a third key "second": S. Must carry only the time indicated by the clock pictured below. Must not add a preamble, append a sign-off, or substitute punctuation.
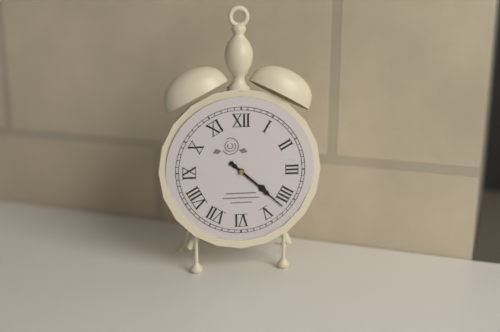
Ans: {"hour": 4, "minute": 22}
